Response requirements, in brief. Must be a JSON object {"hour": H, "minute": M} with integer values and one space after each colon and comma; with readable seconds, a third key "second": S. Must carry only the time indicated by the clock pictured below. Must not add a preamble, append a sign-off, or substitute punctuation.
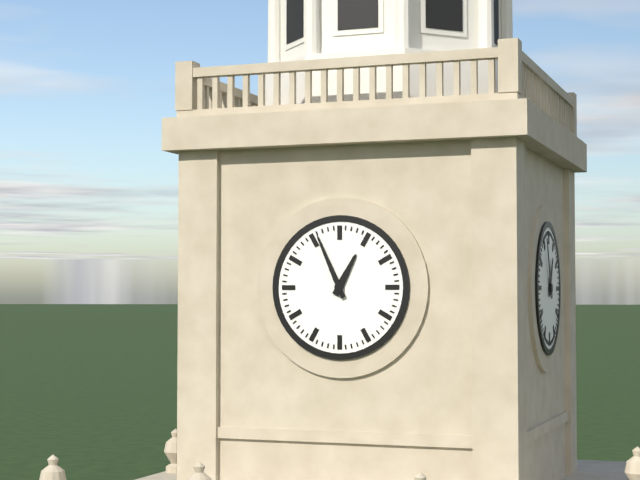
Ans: {"hour": 12, "minute": 56}
